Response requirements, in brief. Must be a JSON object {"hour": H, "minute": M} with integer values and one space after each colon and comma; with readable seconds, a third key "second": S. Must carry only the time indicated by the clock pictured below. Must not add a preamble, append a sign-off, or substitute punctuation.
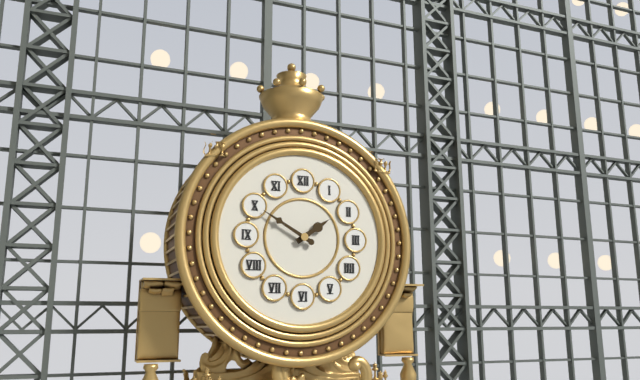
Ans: {"hour": 1, "minute": 50}
